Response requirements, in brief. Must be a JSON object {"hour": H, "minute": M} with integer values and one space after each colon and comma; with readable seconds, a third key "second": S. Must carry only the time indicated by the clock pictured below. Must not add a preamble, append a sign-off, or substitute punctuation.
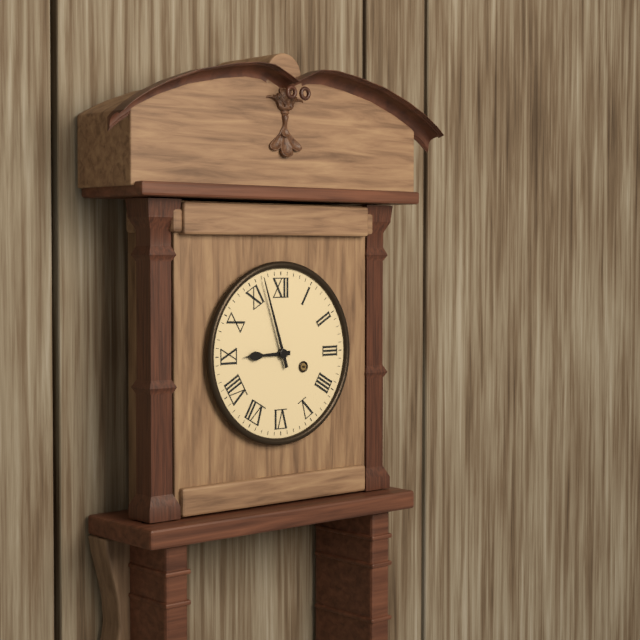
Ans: {"hour": 8, "minute": 57}
